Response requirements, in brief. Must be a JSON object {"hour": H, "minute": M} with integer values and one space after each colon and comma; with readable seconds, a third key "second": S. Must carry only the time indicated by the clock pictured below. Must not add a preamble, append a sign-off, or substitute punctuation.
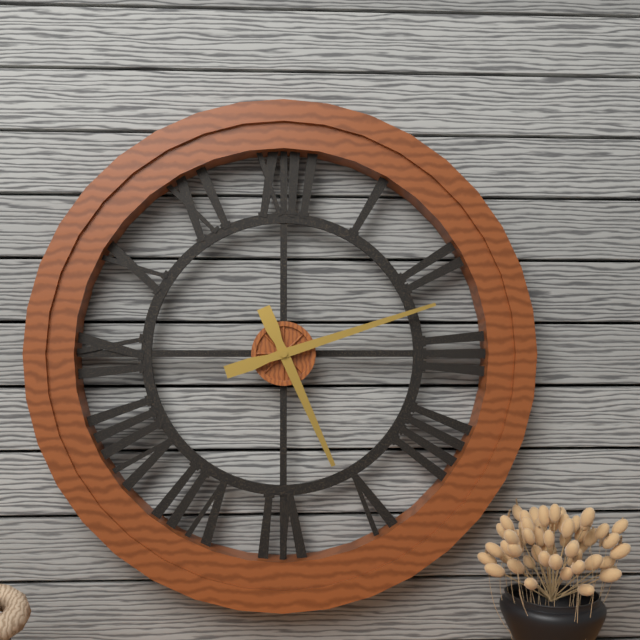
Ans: {"hour": 5, "minute": 12}
